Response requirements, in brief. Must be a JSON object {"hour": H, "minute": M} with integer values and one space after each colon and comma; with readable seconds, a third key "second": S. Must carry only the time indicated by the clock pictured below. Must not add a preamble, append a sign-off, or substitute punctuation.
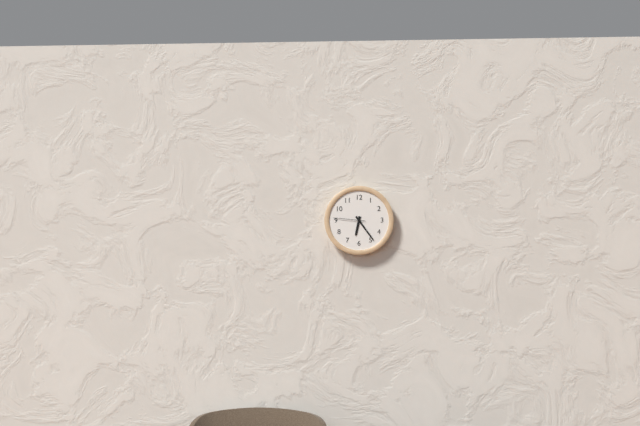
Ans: {"hour": 6, "minute": 24}
